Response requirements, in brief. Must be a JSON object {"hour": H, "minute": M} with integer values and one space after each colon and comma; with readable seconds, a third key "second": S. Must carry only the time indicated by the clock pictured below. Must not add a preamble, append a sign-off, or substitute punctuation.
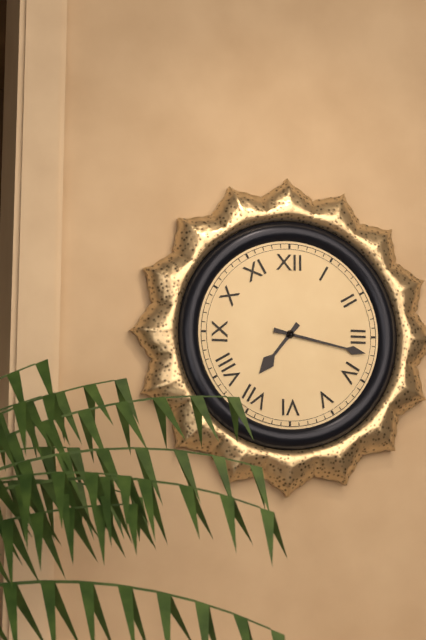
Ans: {"hour": 7, "minute": 17}
